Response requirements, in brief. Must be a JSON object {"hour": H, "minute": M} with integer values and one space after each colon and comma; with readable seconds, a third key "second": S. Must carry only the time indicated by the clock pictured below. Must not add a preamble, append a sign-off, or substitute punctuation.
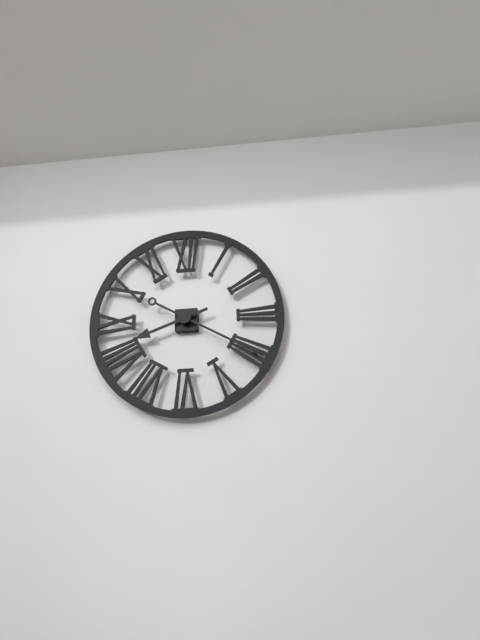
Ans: {"hour": 8, "minute": 20}
